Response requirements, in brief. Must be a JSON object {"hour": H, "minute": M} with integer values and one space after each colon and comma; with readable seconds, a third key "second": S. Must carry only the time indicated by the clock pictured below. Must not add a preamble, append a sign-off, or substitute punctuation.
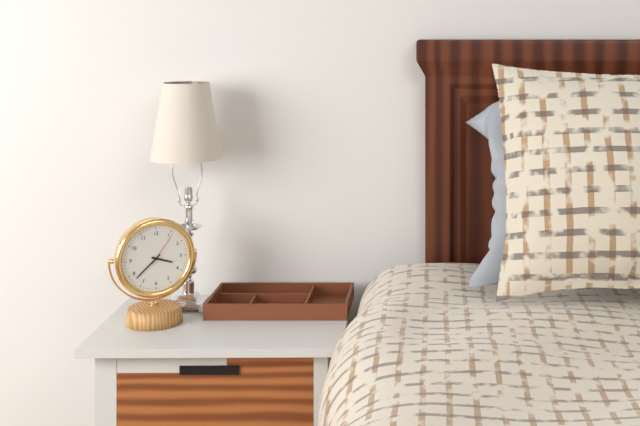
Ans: {"hour": 3, "minute": 38}
